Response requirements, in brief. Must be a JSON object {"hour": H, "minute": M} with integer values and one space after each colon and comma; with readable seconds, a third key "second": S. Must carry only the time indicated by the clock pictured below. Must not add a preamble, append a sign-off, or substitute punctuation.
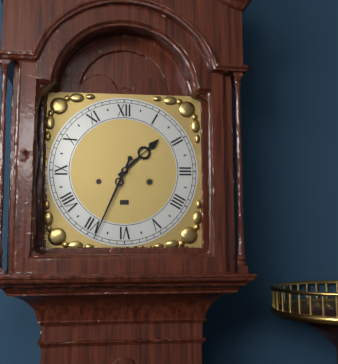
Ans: {"hour": 1, "minute": 34}
